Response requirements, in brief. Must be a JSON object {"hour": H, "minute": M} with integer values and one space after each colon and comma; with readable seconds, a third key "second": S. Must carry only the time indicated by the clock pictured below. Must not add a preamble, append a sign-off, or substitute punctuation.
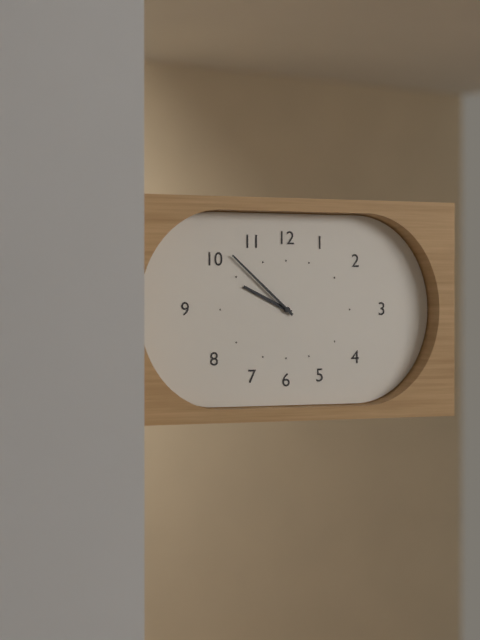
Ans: {"hour": 9, "minute": 52}
